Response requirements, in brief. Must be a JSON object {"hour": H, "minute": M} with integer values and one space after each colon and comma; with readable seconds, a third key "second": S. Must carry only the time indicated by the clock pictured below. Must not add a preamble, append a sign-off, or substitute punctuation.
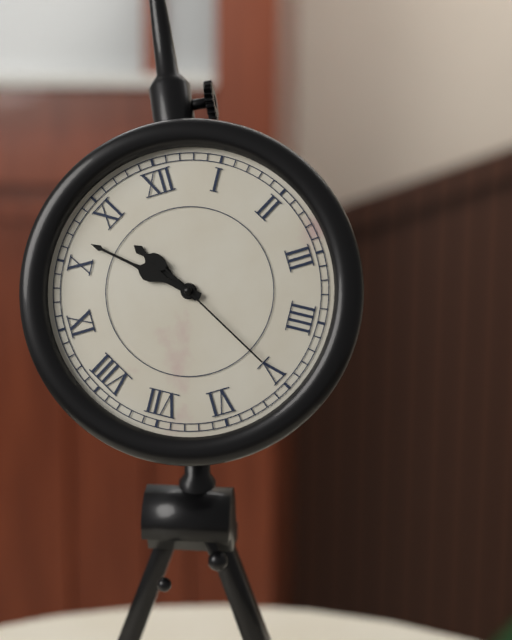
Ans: {"hour": 10, "minute": 52, "second": 25}
